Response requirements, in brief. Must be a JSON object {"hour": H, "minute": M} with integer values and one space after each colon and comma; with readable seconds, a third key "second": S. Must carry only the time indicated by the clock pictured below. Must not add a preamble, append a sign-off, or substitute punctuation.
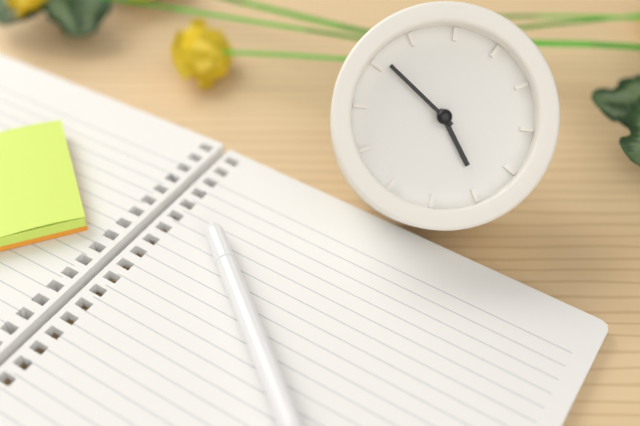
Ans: {"hour": 4, "minute": 51}
